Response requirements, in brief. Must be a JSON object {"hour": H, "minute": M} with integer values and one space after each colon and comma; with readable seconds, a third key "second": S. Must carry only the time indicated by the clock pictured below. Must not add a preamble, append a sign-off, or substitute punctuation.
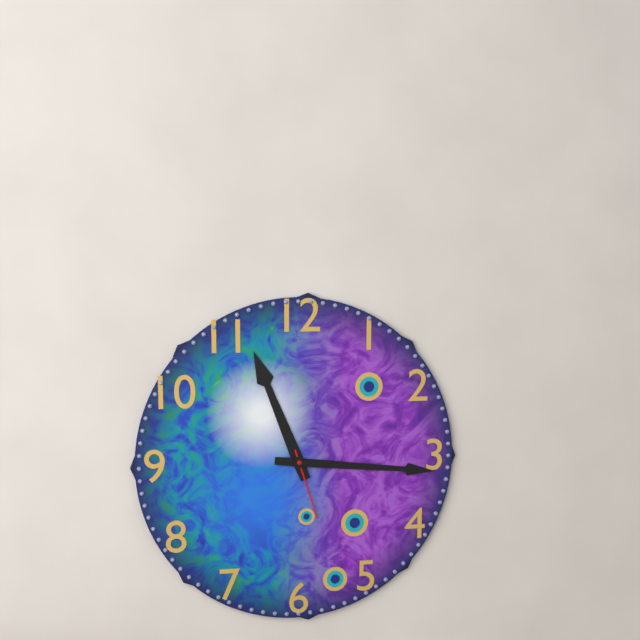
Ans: {"hour": 11, "minute": 16, "second": 27}
